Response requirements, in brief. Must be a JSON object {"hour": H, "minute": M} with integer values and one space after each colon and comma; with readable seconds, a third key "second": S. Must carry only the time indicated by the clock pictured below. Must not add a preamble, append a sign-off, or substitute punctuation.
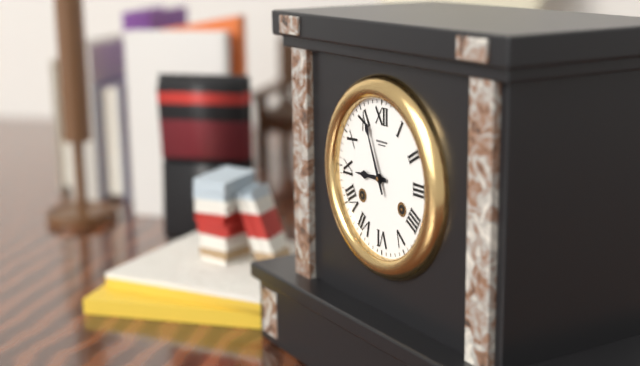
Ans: {"hour": 8, "minute": 56}
